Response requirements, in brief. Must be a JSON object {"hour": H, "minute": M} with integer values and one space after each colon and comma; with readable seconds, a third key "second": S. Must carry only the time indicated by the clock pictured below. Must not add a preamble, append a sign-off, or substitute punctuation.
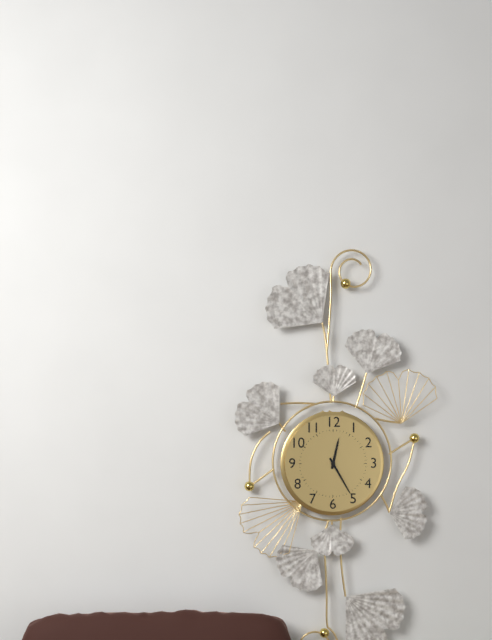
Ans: {"hour": 12, "minute": 25}
